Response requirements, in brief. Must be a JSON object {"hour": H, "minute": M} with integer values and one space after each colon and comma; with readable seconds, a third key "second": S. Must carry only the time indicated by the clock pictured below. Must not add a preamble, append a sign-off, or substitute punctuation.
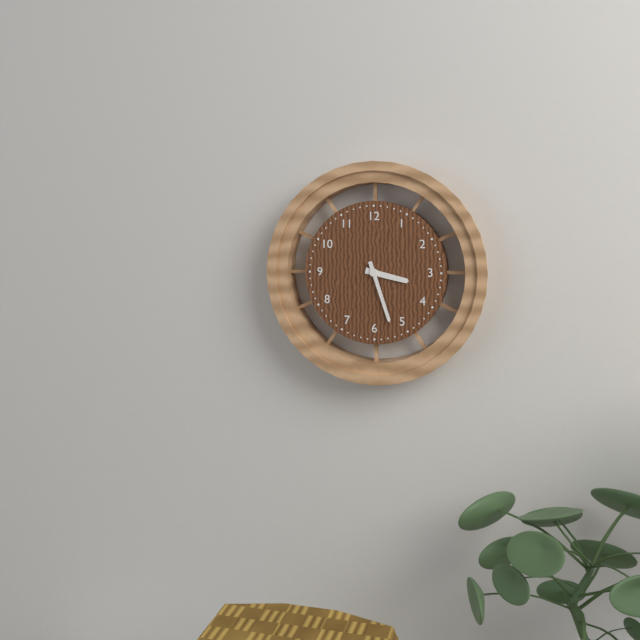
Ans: {"hour": 3, "minute": 27}
